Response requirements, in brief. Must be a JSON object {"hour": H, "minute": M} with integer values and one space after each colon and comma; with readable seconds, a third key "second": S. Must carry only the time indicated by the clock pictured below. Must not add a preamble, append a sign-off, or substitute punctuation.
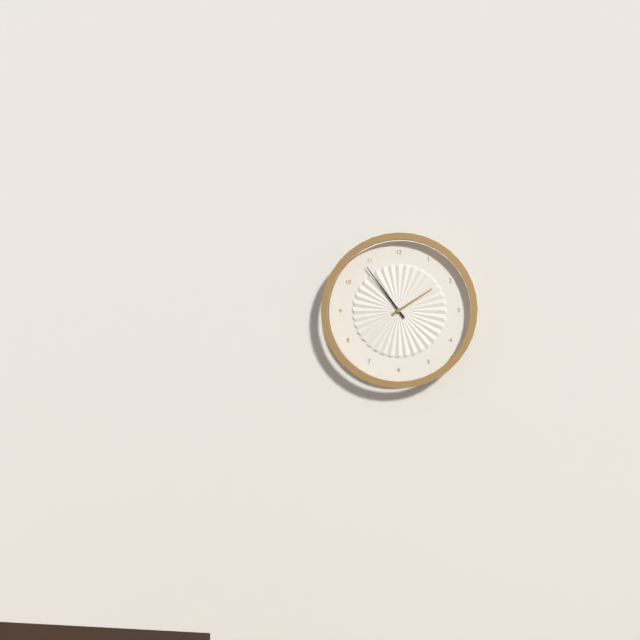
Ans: {"hour": 1, "minute": 54}
